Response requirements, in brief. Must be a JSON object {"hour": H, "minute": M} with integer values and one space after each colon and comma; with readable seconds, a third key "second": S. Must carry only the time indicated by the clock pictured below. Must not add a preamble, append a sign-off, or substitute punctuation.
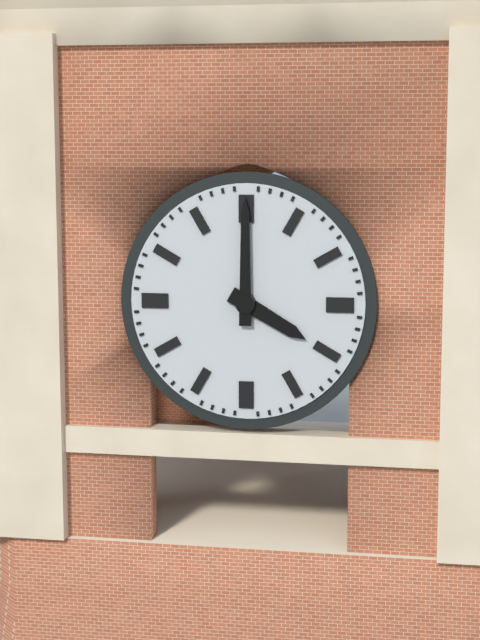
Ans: {"hour": 4, "minute": 0}
